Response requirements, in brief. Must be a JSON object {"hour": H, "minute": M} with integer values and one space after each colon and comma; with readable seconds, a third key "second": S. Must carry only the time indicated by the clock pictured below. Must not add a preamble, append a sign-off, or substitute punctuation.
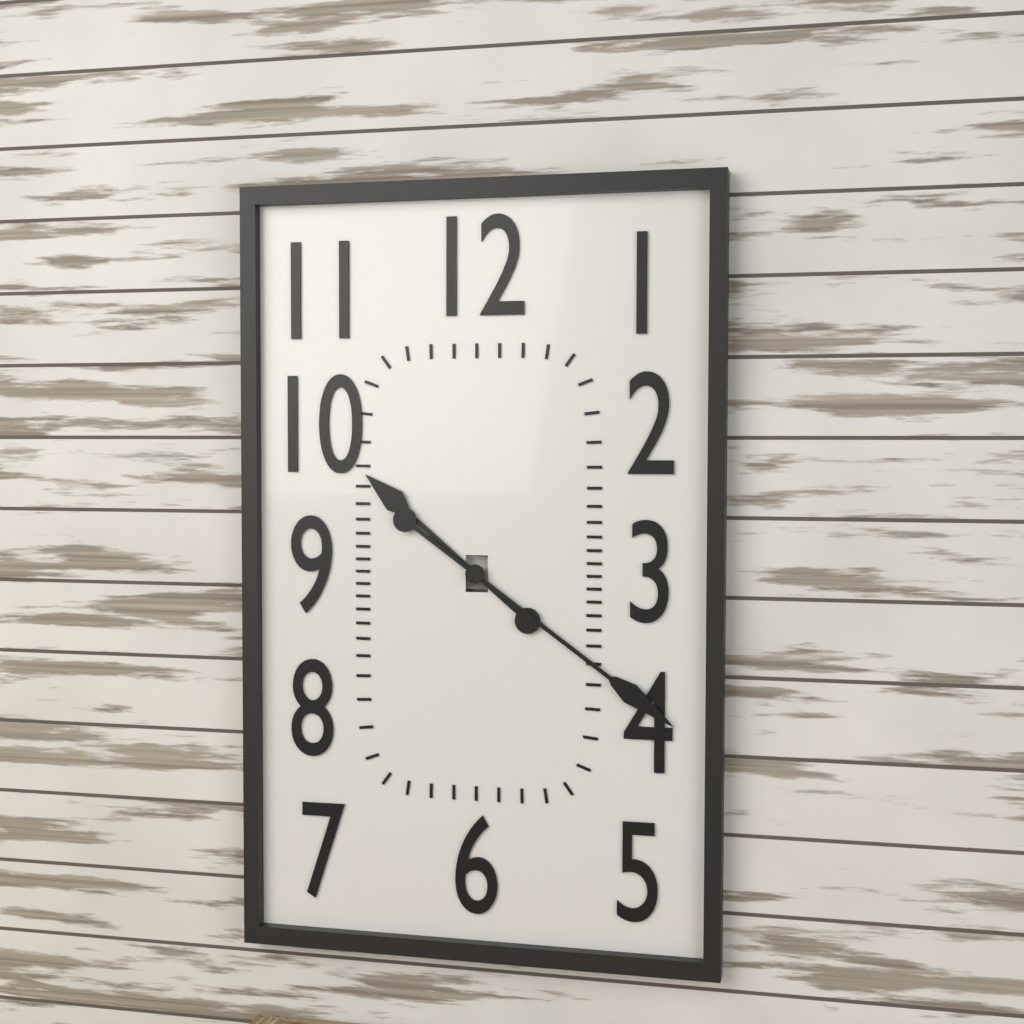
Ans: {"hour": 10, "minute": 21}
